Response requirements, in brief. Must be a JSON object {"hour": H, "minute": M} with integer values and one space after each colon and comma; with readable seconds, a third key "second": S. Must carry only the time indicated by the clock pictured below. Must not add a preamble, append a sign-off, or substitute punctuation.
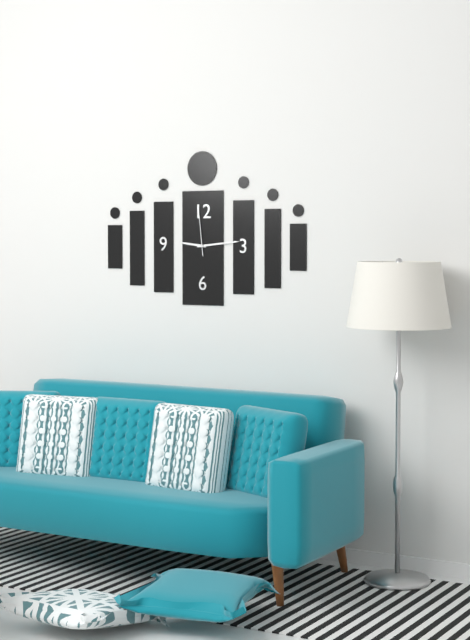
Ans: {"hour": 9, "minute": 14, "second": 59}
